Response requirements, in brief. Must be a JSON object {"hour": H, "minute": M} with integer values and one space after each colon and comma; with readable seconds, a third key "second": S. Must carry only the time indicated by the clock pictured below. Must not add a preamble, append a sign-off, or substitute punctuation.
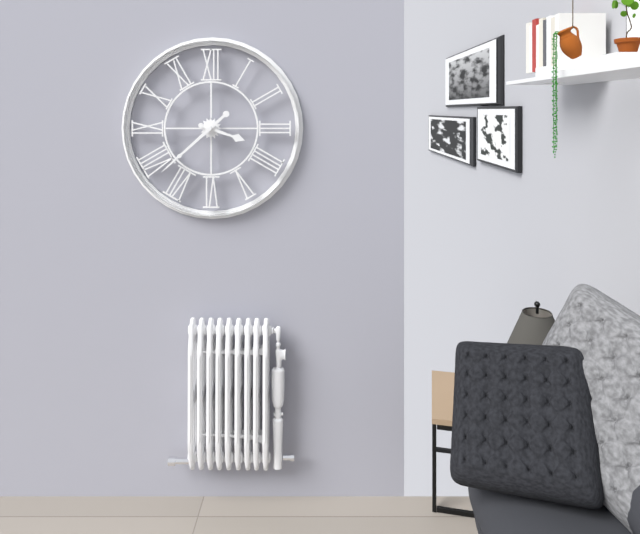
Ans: {"hour": 3, "minute": 38}
